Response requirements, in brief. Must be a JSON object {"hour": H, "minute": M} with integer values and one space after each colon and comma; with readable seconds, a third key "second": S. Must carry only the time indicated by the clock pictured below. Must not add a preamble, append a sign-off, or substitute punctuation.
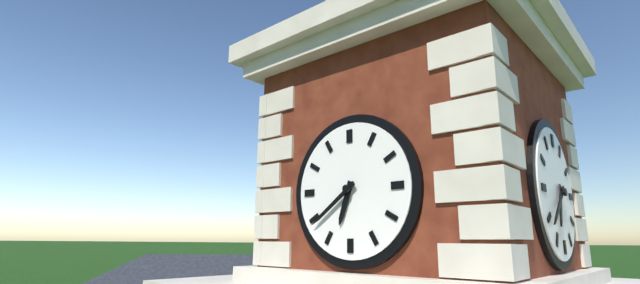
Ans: {"hour": 6, "minute": 39}
